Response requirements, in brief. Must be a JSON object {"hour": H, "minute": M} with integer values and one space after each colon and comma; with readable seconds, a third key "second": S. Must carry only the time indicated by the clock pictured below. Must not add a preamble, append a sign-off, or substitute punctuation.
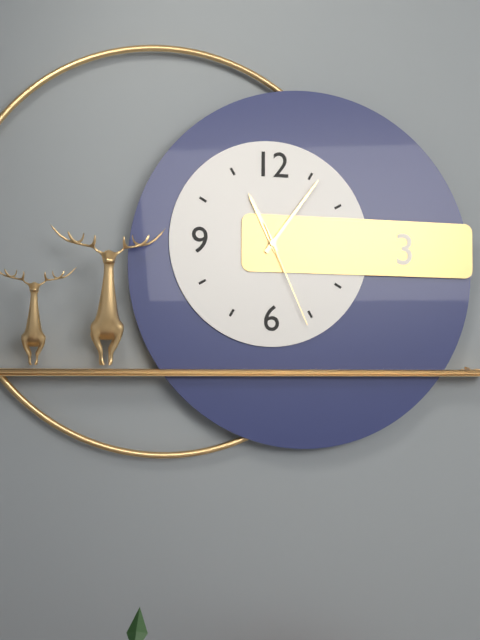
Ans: {"hour": 11, "minute": 6, "second": 26}
